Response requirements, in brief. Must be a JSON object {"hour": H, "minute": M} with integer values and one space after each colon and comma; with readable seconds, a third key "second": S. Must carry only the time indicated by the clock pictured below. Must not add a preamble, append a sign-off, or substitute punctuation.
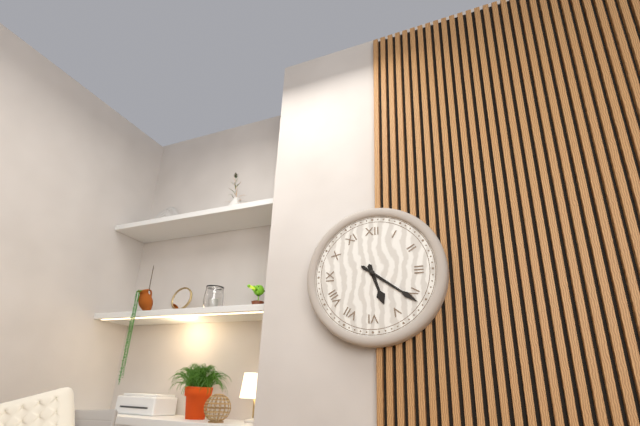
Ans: {"hour": 5, "minute": 21}
